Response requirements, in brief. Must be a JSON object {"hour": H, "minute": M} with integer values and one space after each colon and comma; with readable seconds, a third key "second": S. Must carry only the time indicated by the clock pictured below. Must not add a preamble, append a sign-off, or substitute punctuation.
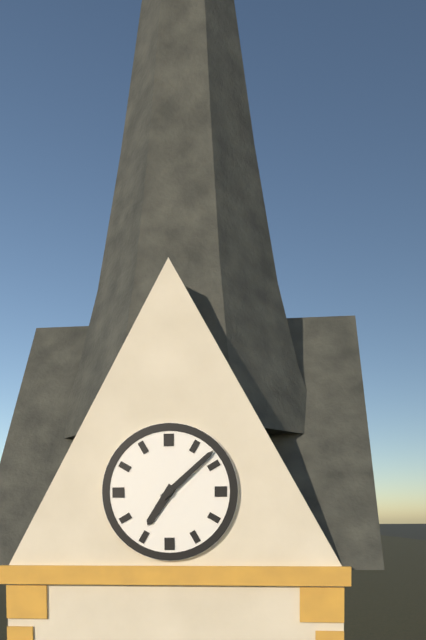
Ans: {"hour": 7, "minute": 8}
